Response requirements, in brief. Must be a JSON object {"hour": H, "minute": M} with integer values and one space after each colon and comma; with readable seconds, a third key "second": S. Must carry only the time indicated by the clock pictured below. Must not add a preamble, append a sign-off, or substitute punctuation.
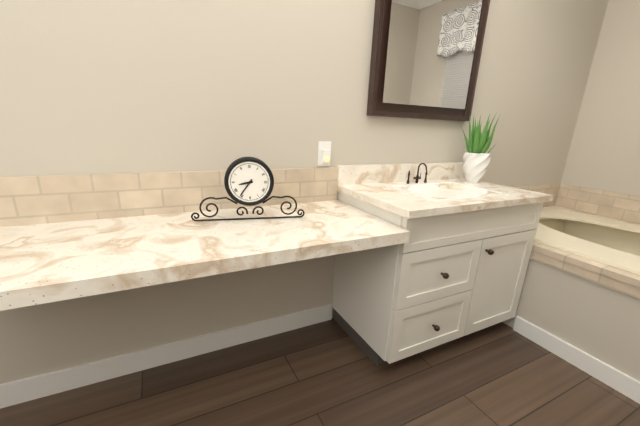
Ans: {"hour": 8, "minute": 36}
